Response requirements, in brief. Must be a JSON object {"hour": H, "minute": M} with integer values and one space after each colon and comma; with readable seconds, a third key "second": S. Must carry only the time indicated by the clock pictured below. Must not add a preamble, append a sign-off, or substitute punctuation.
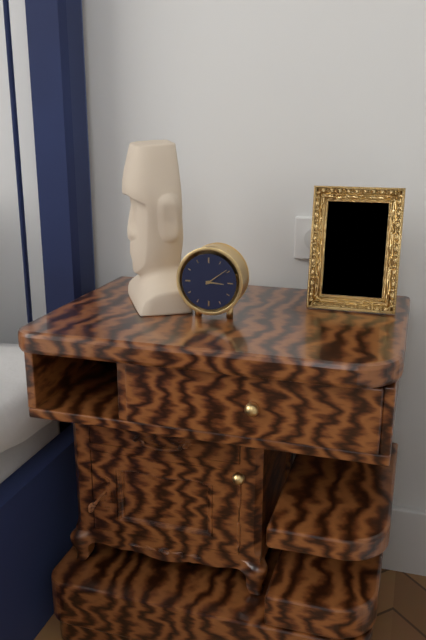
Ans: {"hour": 3, "minute": 9}
